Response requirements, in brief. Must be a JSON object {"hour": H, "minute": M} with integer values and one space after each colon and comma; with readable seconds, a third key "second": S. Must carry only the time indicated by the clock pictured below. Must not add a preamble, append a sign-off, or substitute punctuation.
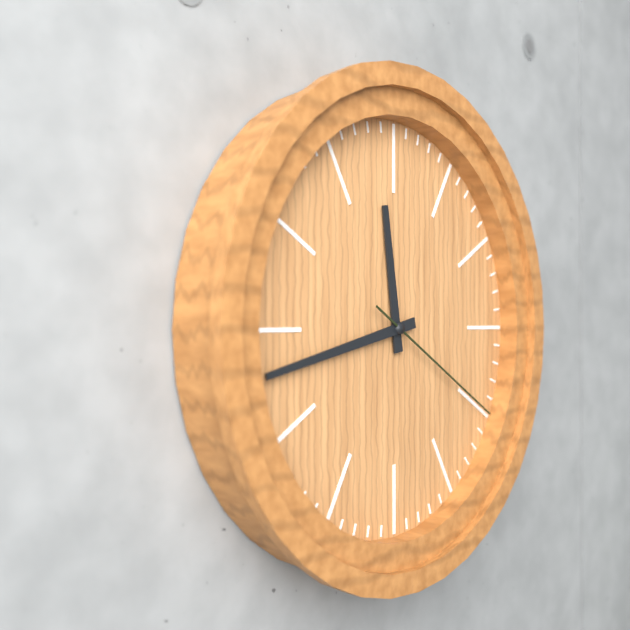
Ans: {"hour": 11, "minute": 43, "second": 20}
